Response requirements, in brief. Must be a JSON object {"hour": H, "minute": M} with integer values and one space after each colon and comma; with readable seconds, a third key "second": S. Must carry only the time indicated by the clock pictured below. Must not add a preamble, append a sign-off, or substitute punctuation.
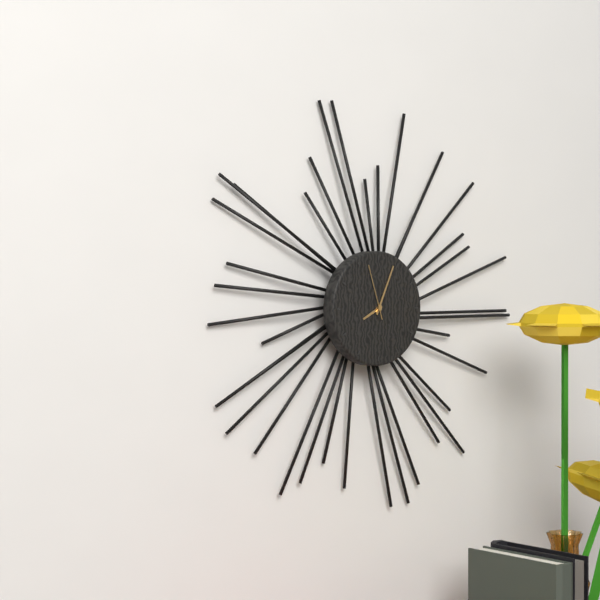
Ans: {"hour": 8, "minute": 4, "second": 57}
